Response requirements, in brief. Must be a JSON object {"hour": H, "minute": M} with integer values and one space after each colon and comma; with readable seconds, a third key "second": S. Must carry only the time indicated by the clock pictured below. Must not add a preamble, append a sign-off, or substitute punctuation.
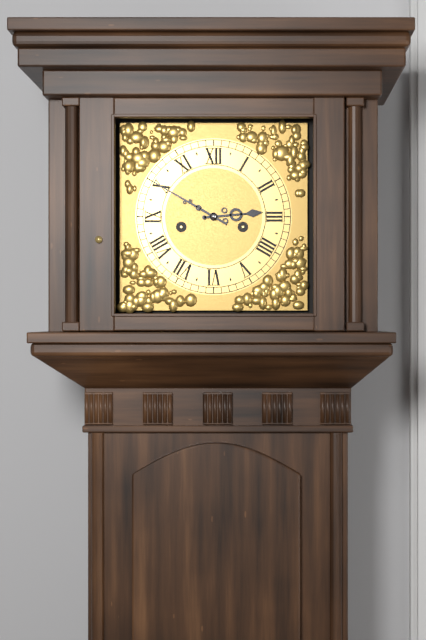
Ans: {"hour": 2, "minute": 50}
